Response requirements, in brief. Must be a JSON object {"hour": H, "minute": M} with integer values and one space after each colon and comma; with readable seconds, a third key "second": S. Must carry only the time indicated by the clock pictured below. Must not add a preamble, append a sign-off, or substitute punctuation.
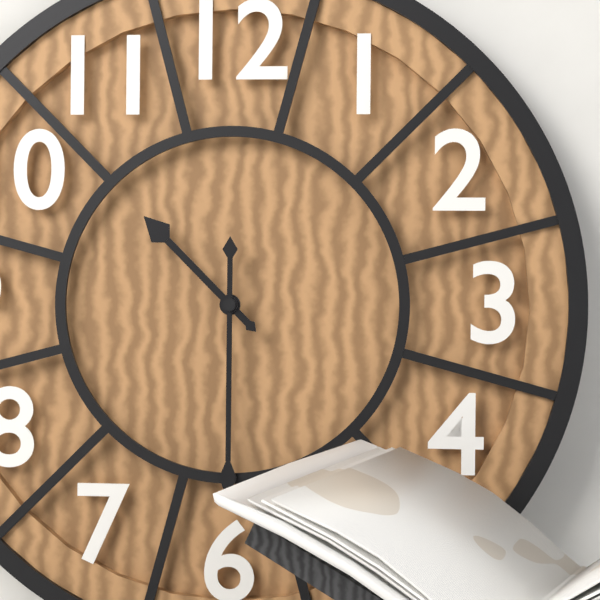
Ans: {"hour": 10, "minute": 30}
